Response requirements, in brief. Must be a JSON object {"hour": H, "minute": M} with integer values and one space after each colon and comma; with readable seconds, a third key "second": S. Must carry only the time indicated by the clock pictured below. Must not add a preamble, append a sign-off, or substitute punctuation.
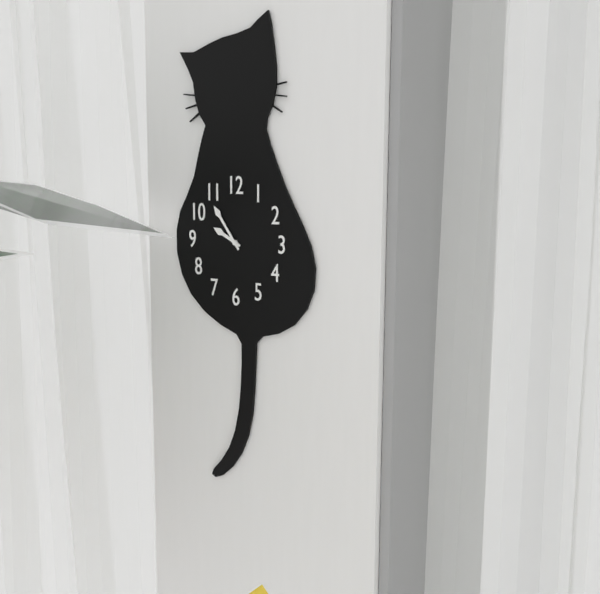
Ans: {"hour": 9, "minute": 54}
